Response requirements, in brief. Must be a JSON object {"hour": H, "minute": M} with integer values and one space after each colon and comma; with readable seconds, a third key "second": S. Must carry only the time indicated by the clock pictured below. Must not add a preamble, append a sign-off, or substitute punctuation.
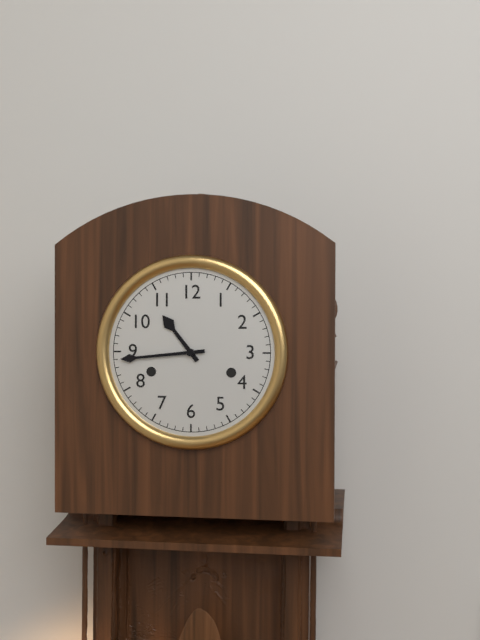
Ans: {"hour": 10, "minute": 44}
